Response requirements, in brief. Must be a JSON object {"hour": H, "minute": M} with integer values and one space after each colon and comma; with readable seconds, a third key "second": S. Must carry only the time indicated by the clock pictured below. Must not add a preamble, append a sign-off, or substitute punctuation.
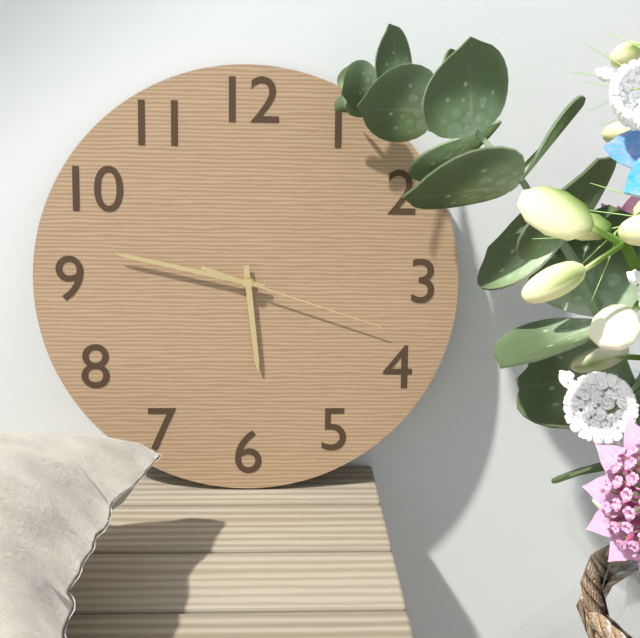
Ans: {"hour": 5, "minute": 47, "second": 18}
